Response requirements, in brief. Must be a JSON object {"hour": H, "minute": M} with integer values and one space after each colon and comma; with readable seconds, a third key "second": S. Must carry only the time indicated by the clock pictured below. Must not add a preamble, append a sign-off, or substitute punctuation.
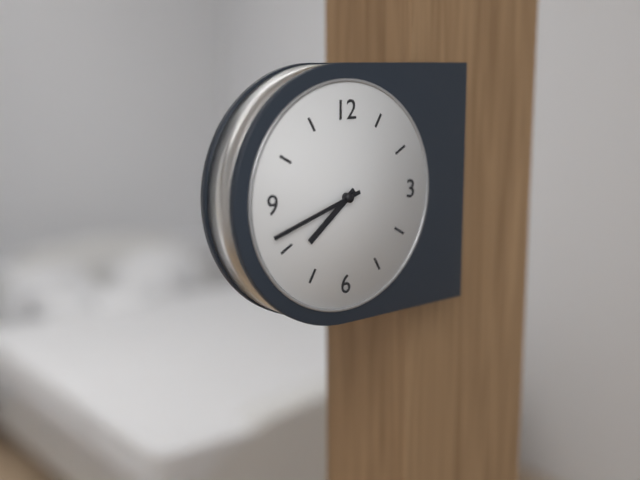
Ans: {"hour": 7, "minute": 42}
